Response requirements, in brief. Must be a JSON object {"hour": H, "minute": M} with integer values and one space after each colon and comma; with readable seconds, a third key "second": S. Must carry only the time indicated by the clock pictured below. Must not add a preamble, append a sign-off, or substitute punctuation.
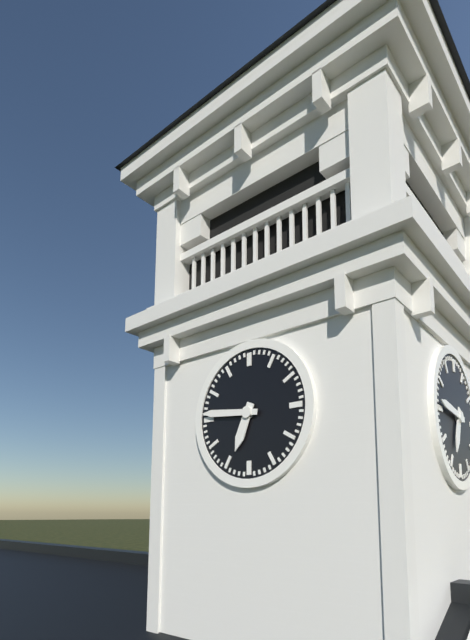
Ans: {"hour": 6, "minute": 46}
